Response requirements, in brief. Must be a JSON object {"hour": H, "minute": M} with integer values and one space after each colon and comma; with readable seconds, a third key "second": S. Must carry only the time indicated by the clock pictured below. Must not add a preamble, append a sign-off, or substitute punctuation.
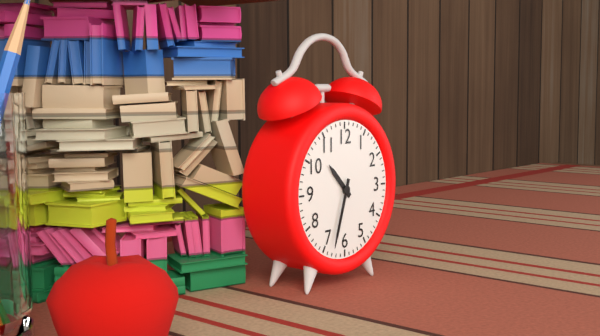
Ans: {"hour": 10, "minute": 33}
